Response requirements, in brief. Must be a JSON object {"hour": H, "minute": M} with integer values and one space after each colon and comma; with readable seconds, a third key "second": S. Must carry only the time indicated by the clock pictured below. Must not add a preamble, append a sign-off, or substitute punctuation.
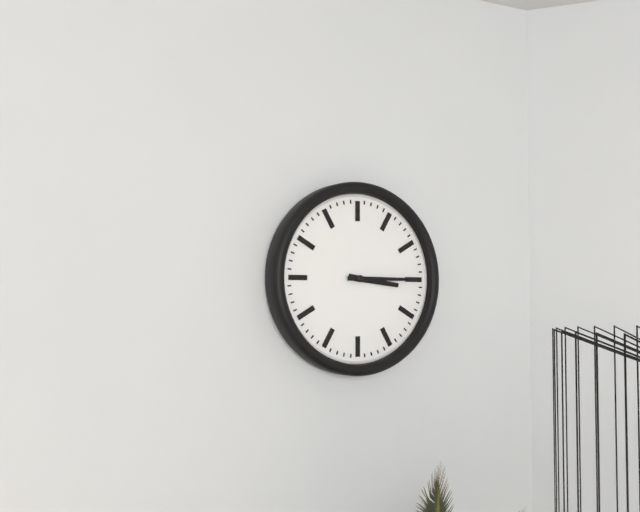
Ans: {"hour": 3, "minute": 15}
